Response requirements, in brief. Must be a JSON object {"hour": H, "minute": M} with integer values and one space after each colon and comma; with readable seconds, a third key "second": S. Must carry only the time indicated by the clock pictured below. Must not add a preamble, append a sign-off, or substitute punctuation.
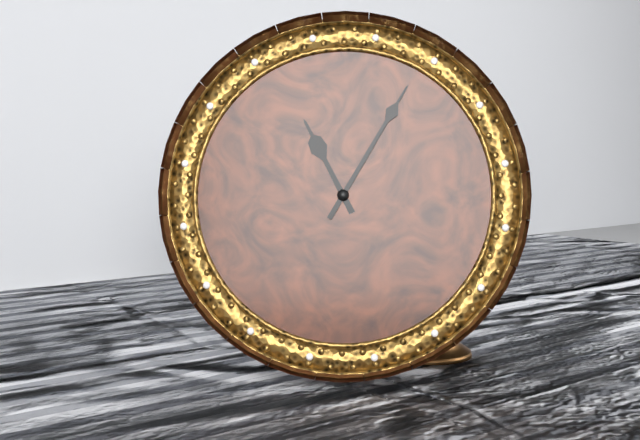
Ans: {"hour": 11, "minute": 5}
